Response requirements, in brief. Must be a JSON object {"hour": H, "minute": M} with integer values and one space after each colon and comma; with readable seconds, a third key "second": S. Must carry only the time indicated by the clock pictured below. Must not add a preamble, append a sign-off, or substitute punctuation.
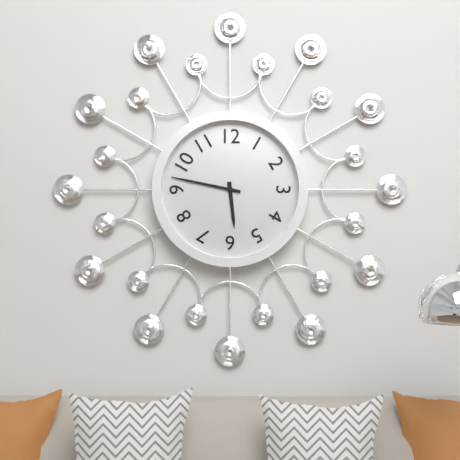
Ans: {"hour": 5, "minute": 47}
